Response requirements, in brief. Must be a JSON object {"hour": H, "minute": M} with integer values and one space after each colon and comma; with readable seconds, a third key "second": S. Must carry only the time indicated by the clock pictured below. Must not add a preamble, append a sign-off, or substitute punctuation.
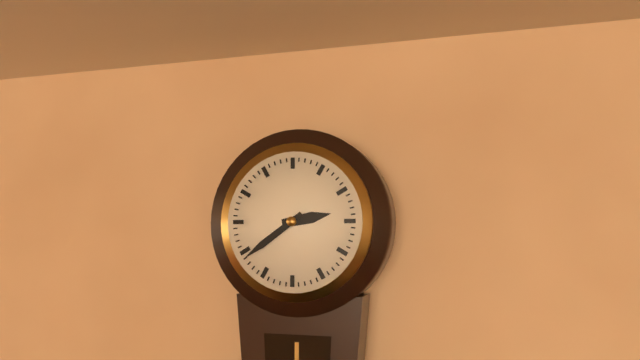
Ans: {"hour": 2, "minute": 39}
